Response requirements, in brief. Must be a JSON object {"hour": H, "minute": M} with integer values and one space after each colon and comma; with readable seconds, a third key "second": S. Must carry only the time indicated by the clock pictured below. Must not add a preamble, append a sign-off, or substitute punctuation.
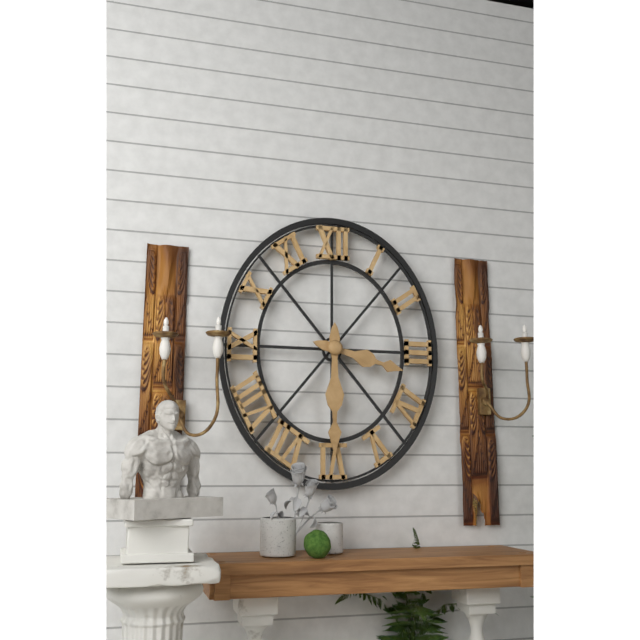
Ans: {"hour": 3, "minute": 30}
